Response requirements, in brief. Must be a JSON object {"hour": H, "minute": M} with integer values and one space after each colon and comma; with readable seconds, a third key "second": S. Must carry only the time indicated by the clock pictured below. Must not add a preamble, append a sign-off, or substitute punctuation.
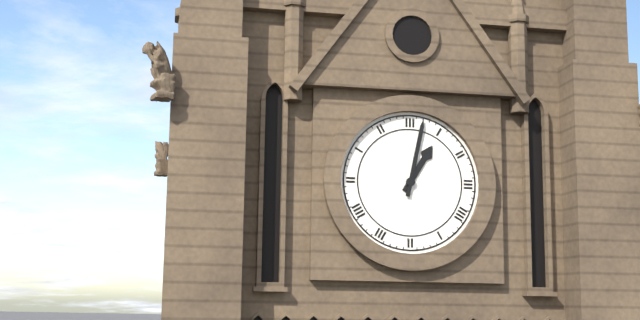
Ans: {"hour": 1, "minute": 2}
